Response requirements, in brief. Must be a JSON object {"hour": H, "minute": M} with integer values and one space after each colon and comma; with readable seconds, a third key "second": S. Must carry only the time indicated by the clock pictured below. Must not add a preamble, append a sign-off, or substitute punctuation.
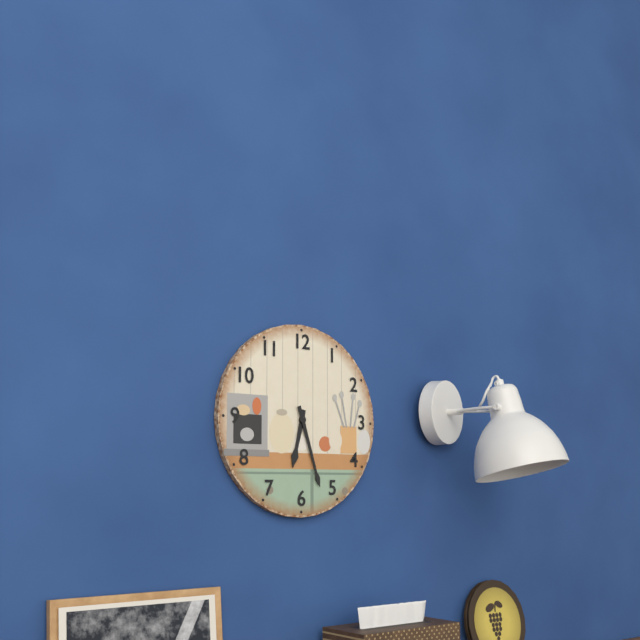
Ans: {"hour": 6, "minute": 27}
